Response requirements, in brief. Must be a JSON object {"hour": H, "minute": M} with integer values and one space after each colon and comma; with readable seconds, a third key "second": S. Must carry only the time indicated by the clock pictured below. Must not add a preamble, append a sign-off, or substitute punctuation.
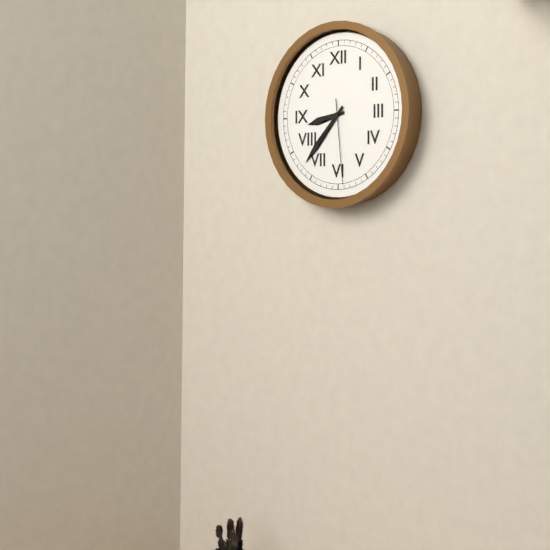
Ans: {"hour": 8, "minute": 37, "second": 29}
